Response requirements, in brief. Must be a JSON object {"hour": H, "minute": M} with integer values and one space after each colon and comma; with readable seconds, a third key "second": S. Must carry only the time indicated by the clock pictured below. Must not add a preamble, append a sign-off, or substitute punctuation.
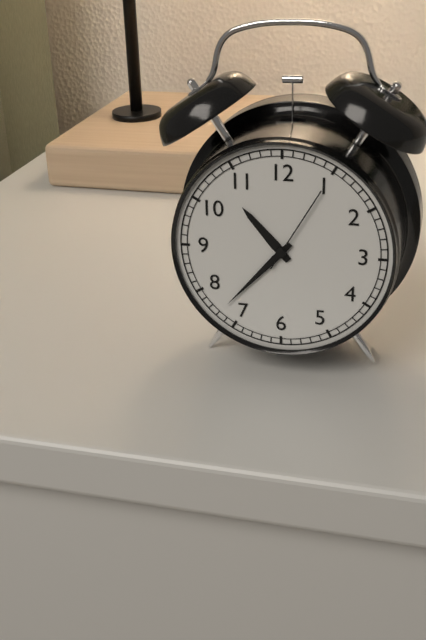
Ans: {"hour": 10, "minute": 37, "second": 5}
